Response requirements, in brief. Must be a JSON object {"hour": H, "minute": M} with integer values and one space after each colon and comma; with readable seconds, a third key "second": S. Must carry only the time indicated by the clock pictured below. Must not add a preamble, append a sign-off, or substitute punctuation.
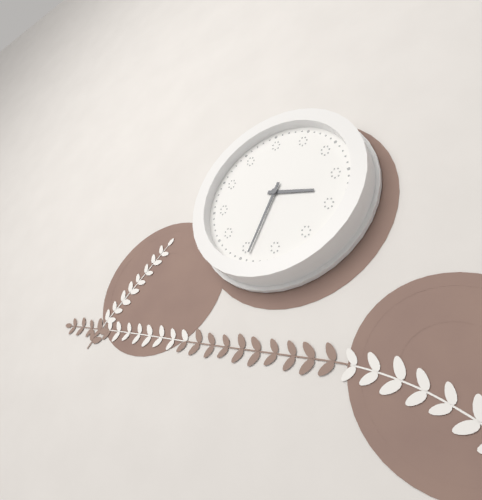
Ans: {"hour": 3, "minute": 34}
